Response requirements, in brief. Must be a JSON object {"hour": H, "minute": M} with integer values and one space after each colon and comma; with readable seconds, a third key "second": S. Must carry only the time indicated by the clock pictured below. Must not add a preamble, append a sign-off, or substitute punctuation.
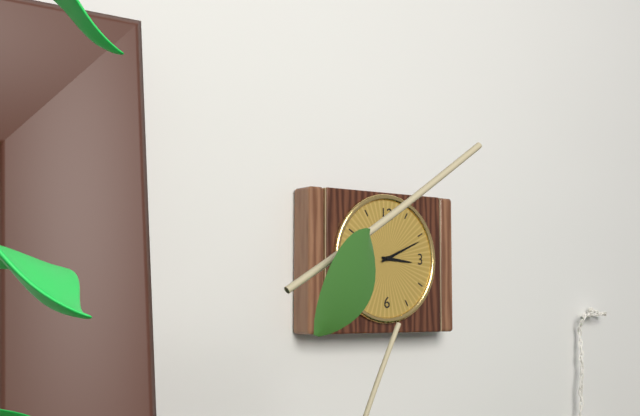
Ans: {"hour": 3, "minute": 11}
